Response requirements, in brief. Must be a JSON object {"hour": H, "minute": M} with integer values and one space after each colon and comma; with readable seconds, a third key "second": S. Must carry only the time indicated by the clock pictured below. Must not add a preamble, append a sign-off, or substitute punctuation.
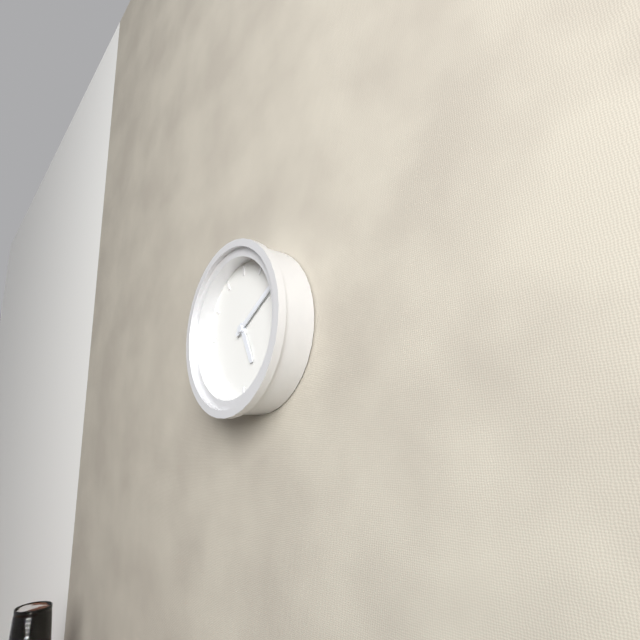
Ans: {"hour": 5, "minute": 10}
